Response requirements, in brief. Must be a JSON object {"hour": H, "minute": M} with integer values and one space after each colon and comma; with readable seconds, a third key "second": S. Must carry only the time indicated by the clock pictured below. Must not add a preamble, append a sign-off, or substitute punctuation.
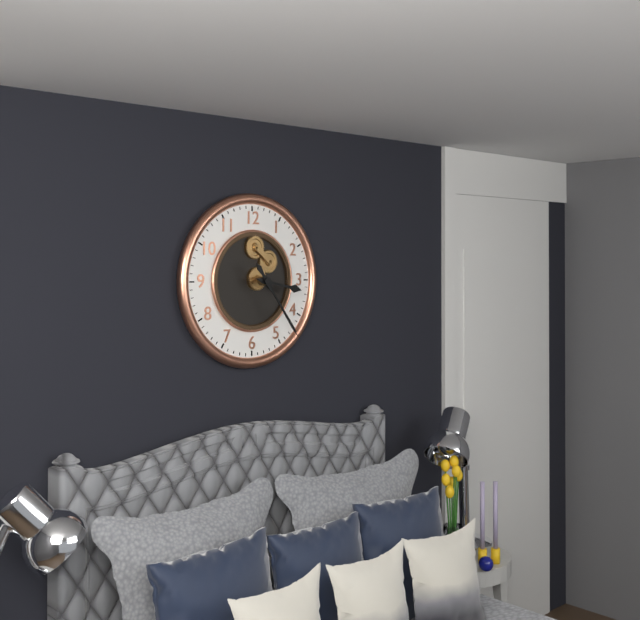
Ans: {"hour": 3, "minute": 24}
